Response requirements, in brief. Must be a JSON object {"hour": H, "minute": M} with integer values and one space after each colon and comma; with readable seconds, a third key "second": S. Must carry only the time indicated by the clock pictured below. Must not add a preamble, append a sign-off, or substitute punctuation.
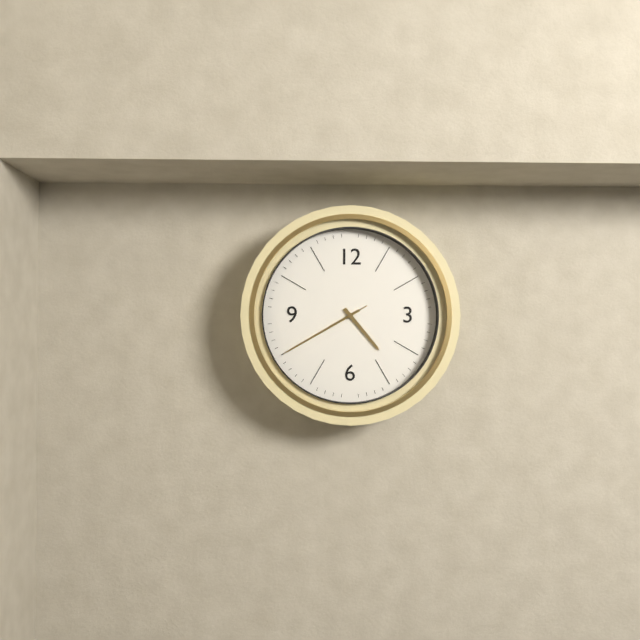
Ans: {"hour": 4, "minute": 40, "second": 40}
